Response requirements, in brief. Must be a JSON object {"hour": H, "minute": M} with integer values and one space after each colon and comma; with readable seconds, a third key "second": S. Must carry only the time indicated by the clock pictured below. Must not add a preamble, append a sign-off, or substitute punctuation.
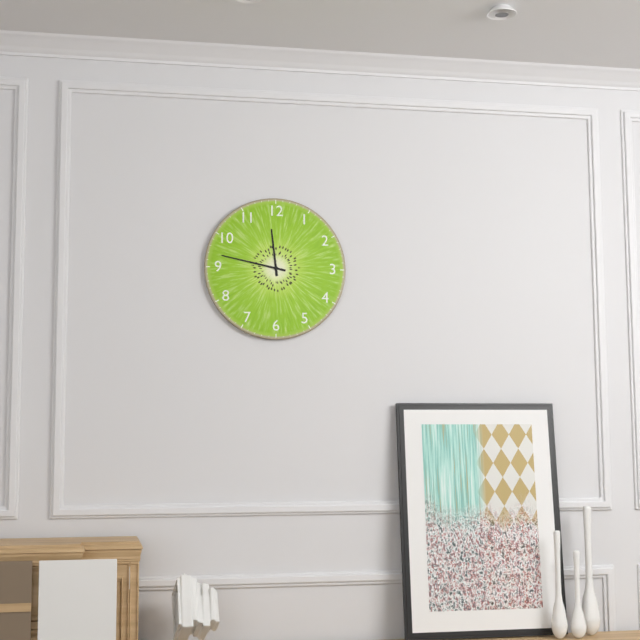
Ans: {"hour": 11, "minute": 47}
